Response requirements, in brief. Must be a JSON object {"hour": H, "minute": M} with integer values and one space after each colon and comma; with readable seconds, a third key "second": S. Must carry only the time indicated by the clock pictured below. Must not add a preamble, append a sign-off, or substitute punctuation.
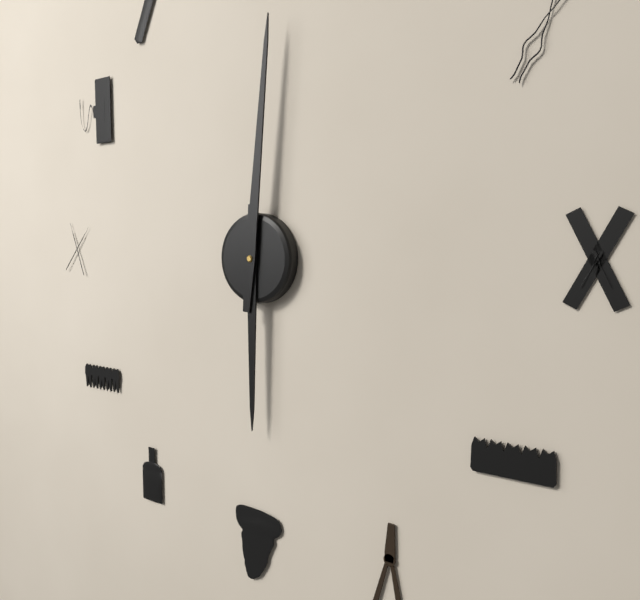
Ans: {"hour": 6, "minute": 1}
